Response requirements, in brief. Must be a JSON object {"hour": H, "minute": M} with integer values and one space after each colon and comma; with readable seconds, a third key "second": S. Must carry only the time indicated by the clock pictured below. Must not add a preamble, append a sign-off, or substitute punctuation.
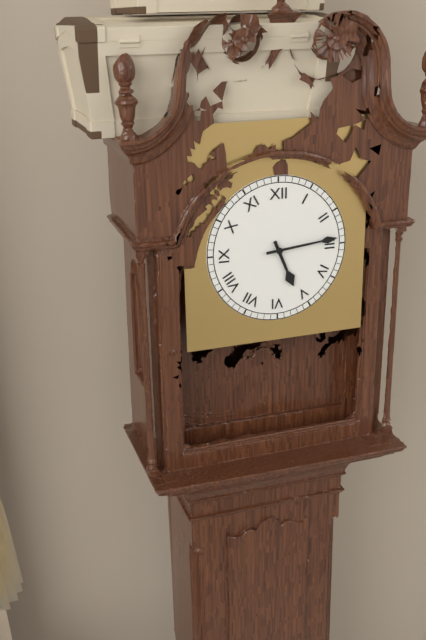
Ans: {"hour": 5, "minute": 14}
